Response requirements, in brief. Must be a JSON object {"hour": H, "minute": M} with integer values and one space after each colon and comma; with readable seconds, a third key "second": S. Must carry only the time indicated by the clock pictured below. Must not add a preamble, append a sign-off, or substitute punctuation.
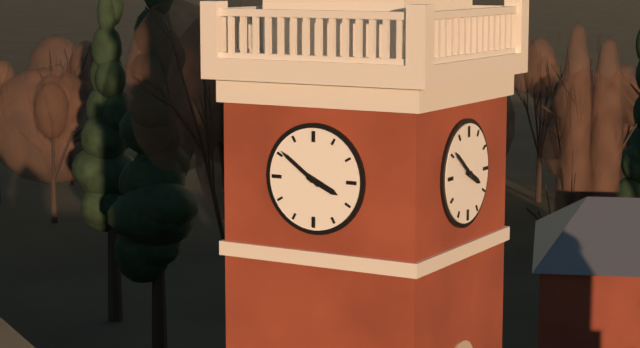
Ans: {"hour": 3, "minute": 51}
